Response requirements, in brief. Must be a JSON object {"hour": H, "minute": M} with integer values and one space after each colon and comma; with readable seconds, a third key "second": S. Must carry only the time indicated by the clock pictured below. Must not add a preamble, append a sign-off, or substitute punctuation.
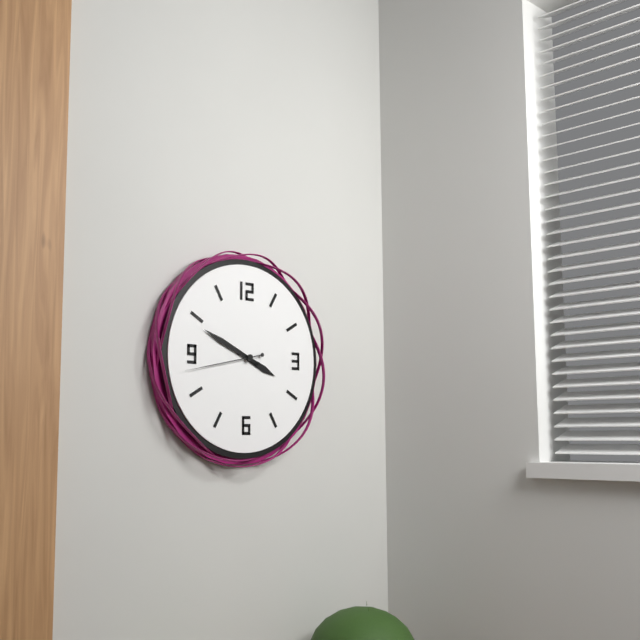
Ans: {"hour": 3, "minute": 49, "second": 43}
